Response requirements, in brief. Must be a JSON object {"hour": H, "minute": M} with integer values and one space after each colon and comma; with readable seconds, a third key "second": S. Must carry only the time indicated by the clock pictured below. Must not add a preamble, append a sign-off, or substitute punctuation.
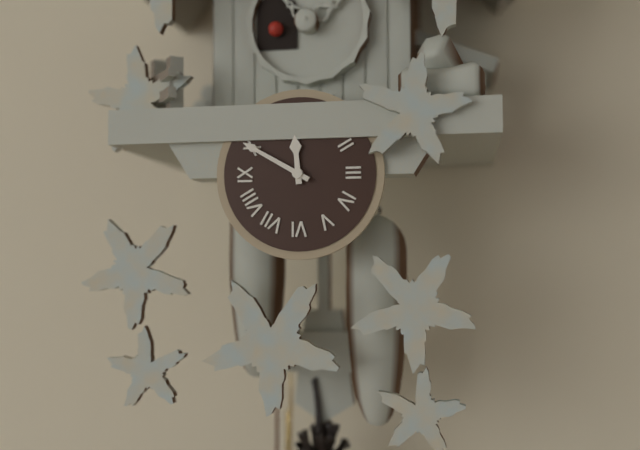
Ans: {"hour": 11, "minute": 50}
